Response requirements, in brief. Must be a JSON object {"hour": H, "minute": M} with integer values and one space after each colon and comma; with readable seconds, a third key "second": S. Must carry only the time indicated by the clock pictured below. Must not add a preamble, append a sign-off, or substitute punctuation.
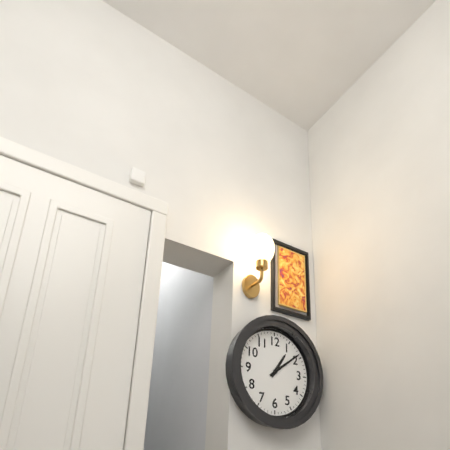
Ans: {"hour": 1, "minute": 9}
